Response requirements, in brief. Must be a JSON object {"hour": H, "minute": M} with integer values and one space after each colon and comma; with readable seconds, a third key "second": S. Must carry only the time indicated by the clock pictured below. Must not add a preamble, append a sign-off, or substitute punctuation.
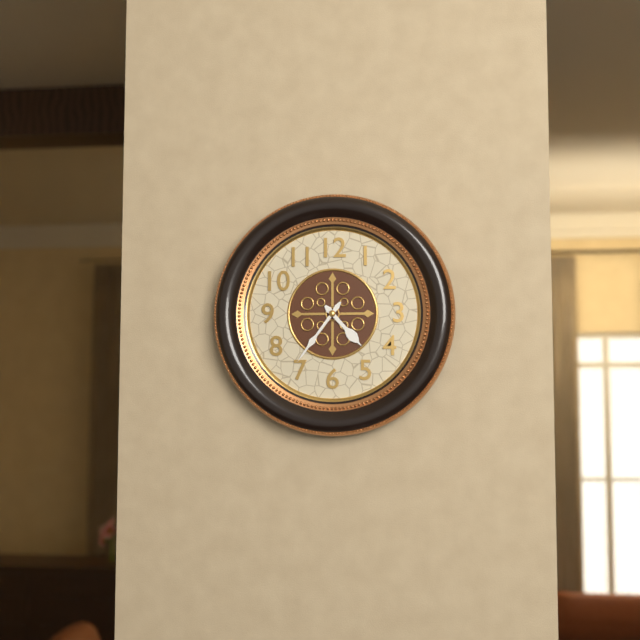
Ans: {"hour": 4, "minute": 36}
